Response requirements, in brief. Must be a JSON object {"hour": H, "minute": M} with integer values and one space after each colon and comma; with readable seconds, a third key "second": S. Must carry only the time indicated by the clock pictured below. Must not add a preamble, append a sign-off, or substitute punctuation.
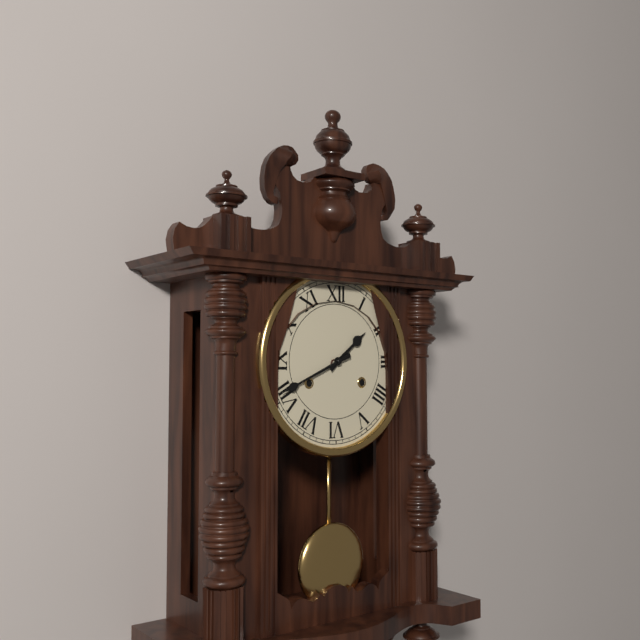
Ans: {"hour": 1, "minute": 41}
